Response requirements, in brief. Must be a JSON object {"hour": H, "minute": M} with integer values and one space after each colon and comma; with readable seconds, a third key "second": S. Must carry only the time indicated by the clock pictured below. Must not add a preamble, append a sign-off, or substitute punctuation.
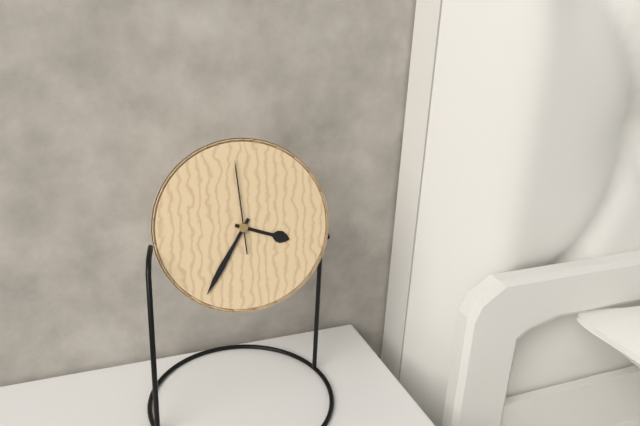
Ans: {"hour": 3, "minute": 35, "second": 59}
